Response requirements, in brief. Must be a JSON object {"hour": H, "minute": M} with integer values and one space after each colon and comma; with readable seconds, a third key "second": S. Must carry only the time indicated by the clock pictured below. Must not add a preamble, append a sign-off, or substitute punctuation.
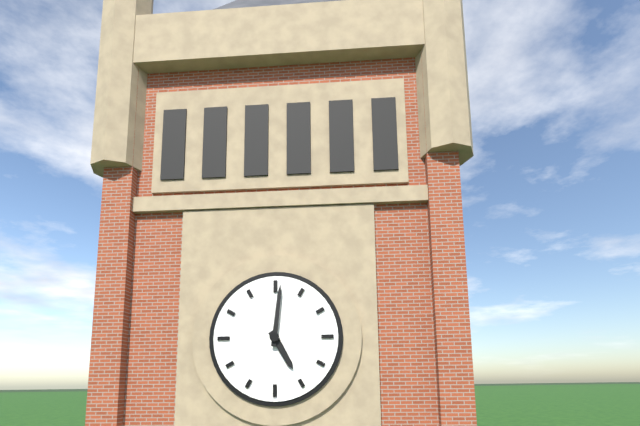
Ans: {"hour": 5, "minute": 1}
